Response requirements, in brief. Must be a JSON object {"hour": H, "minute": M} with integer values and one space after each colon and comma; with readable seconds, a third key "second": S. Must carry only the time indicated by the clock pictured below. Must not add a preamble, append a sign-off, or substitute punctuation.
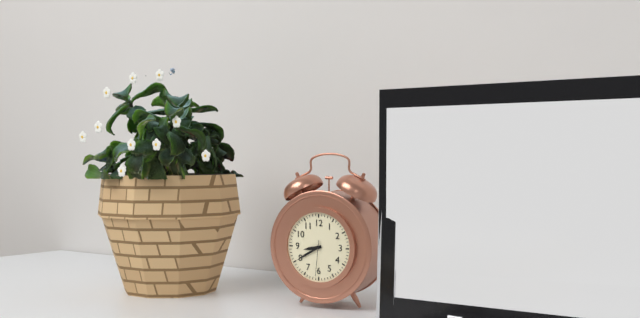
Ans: {"hour": 8, "minute": 40}
